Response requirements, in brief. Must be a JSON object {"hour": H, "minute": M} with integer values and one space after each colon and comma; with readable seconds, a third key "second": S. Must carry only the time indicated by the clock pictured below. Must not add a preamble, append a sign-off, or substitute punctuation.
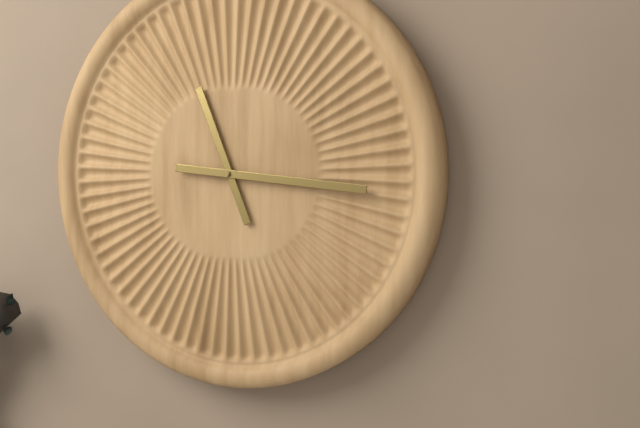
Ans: {"hour": 11, "minute": 16}
